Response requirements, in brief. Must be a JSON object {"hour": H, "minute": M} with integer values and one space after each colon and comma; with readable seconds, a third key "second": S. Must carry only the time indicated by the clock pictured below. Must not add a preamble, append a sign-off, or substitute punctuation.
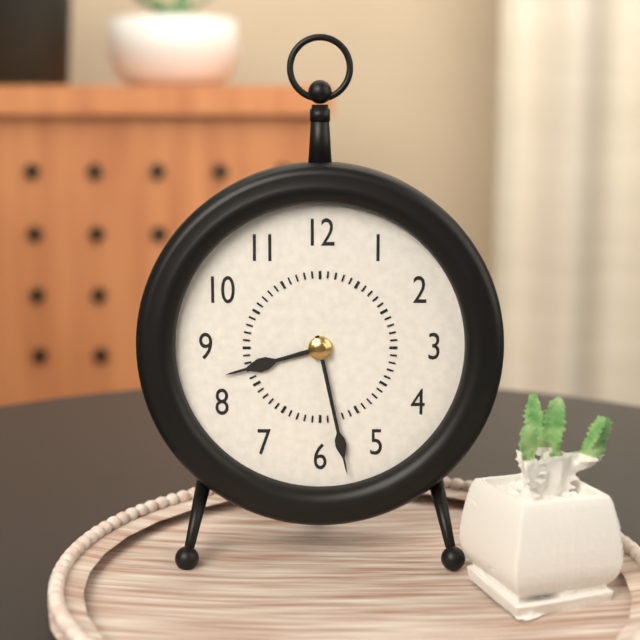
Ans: {"hour": 8, "minute": 28}
